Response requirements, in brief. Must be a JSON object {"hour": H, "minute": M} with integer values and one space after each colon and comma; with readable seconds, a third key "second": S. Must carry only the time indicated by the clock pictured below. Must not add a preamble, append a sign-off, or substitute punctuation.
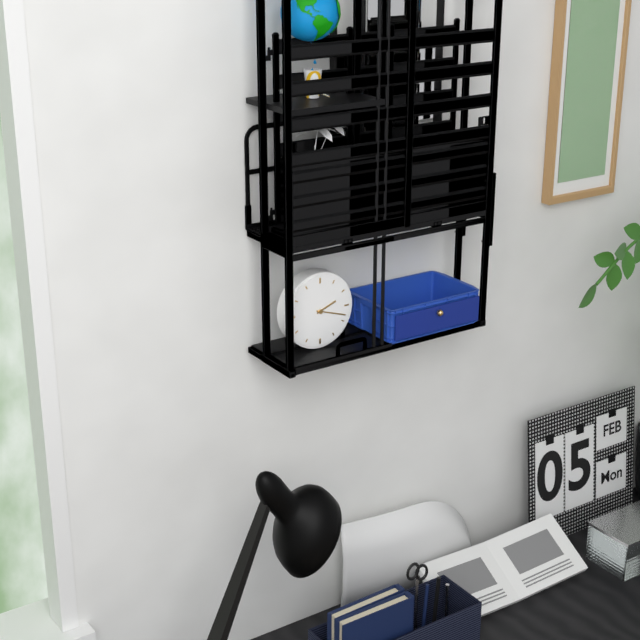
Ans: {"hour": 2, "minute": 18}
